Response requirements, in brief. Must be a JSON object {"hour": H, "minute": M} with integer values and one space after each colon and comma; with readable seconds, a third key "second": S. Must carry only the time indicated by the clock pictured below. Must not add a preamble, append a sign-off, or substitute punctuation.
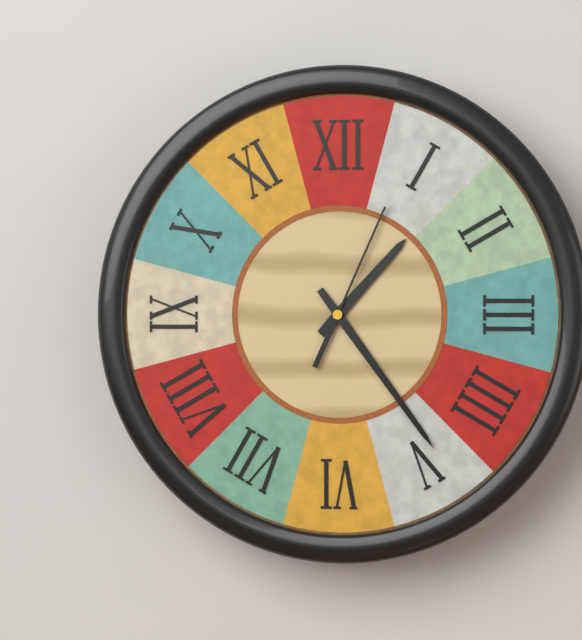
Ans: {"hour": 1, "minute": 24, "second": 4}
